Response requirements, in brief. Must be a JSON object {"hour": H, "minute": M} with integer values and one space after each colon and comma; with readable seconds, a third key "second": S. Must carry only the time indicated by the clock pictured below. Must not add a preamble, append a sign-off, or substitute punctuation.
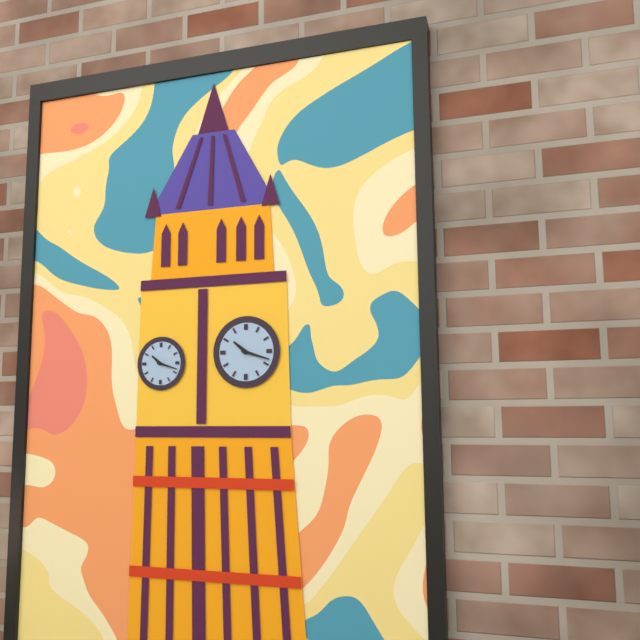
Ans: {"hour": 10, "minute": 18}
